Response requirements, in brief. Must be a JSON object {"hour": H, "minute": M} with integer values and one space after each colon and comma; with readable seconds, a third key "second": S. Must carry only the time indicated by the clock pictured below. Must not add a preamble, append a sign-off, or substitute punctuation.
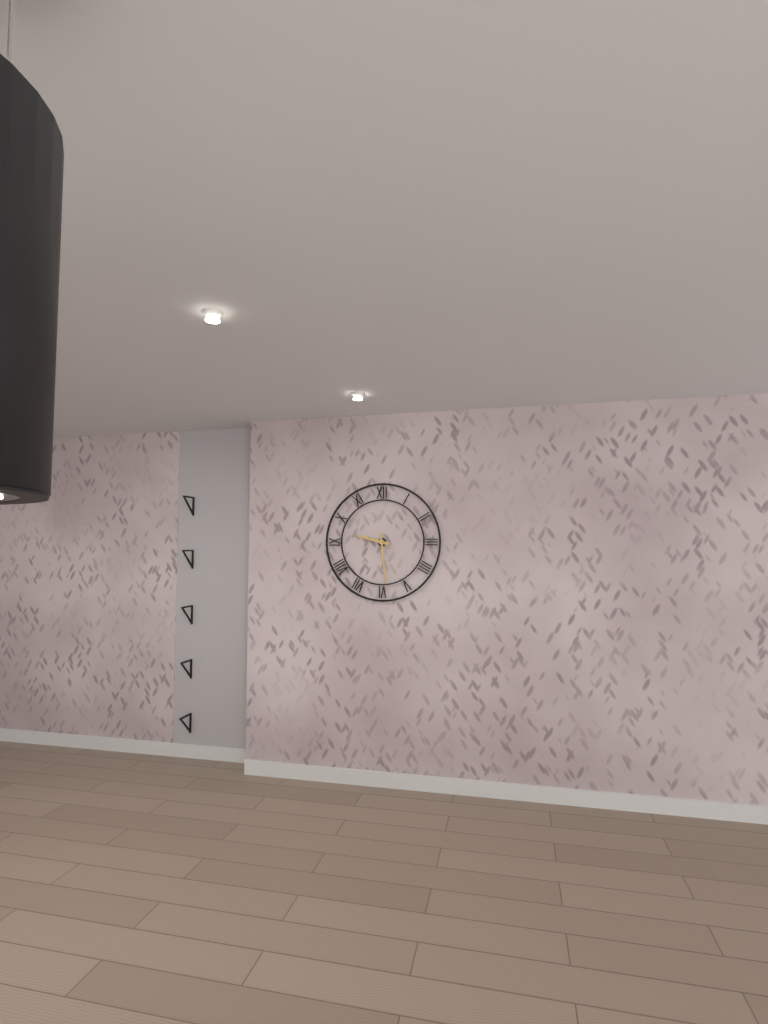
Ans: {"hour": 9, "minute": 29}
